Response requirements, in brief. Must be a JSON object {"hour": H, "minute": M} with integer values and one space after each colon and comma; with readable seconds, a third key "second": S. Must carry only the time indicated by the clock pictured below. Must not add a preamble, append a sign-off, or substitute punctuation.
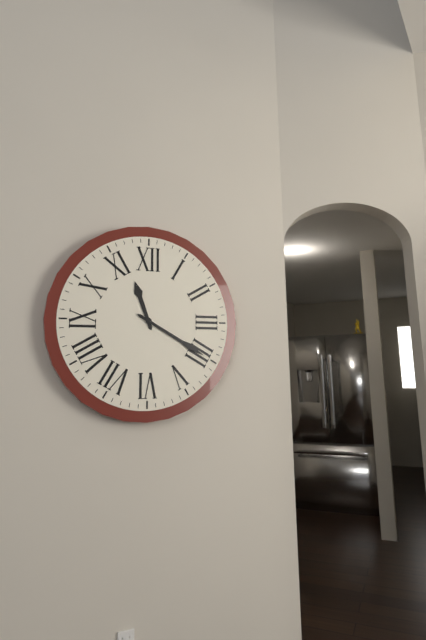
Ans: {"hour": 11, "minute": 20}
